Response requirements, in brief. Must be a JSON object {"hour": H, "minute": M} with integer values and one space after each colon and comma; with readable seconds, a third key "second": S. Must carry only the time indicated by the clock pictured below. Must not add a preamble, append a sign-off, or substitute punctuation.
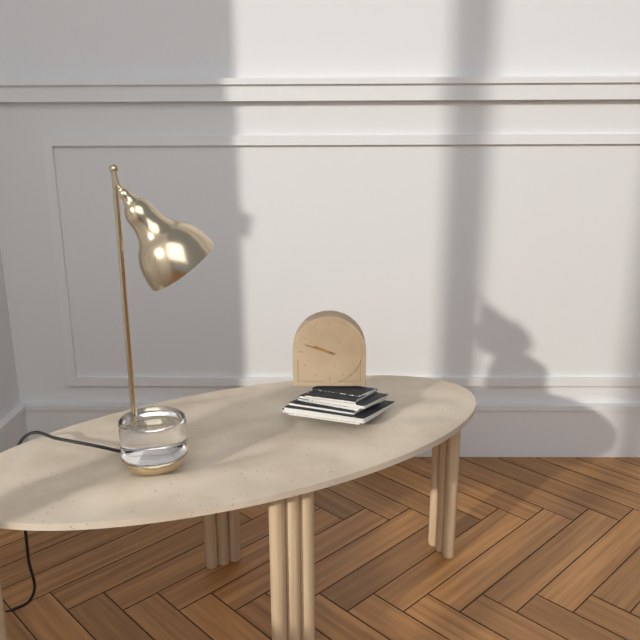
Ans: {"hour": 9, "minute": 48}
